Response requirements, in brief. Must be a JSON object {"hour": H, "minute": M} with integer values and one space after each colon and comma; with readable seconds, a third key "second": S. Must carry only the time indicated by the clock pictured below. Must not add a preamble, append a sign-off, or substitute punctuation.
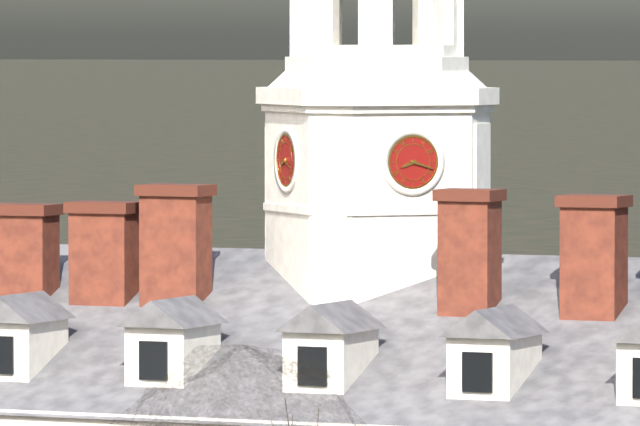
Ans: {"hour": 8, "minute": 18}
